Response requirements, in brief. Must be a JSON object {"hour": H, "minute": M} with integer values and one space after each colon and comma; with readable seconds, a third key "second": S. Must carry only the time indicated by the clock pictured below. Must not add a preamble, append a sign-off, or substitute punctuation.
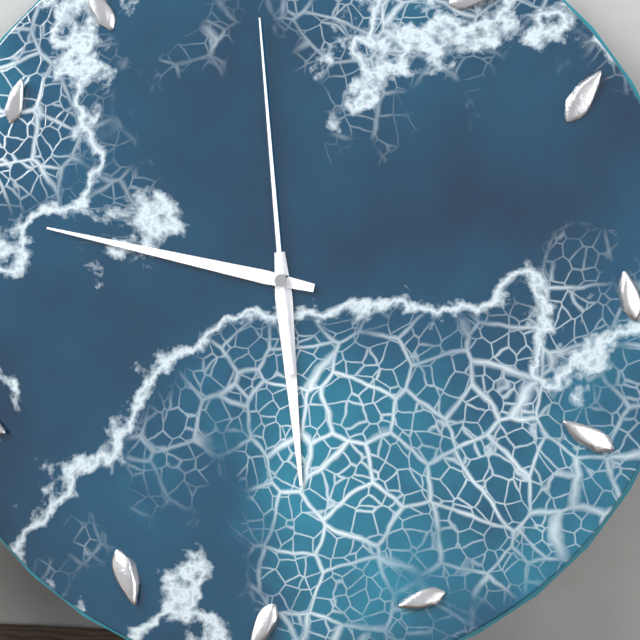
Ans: {"hour": 5, "minute": 47, "second": 59}
